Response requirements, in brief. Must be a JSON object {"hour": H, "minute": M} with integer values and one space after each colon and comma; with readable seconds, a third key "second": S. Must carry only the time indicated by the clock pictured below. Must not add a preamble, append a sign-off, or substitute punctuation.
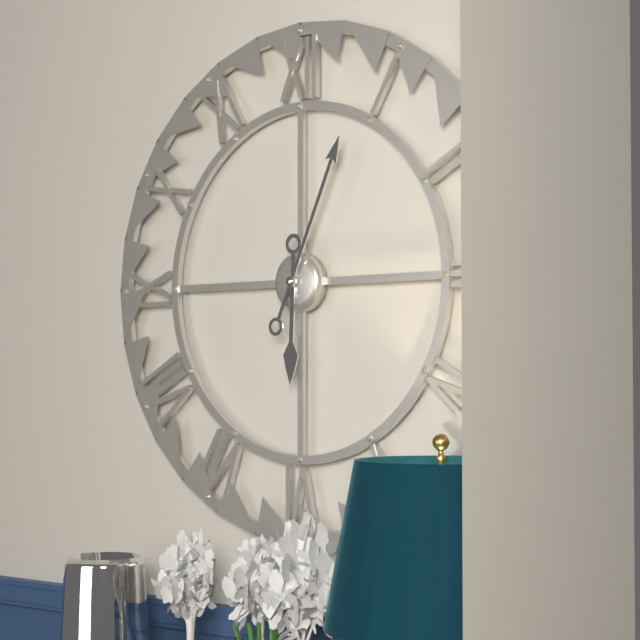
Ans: {"hour": 6, "minute": 4}
